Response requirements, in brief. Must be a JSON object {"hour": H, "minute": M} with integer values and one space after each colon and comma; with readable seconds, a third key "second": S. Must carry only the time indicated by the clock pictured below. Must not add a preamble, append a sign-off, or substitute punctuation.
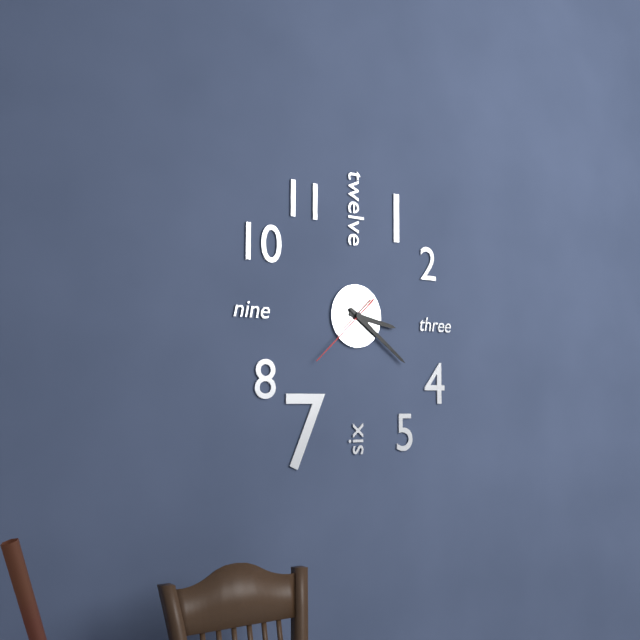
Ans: {"hour": 3, "minute": 21, "second": 38}
